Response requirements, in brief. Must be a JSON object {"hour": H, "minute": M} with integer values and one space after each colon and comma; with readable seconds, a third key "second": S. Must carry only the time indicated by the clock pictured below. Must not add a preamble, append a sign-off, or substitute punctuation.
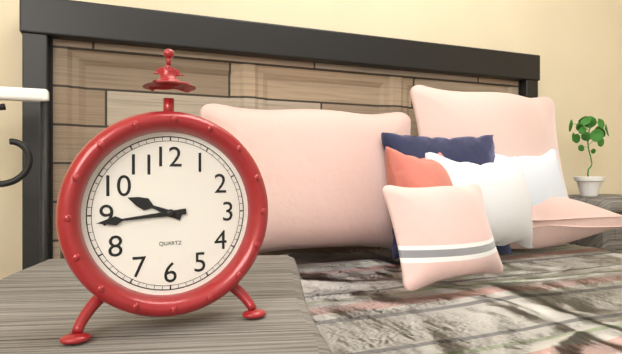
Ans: {"hour": 9, "minute": 44}
